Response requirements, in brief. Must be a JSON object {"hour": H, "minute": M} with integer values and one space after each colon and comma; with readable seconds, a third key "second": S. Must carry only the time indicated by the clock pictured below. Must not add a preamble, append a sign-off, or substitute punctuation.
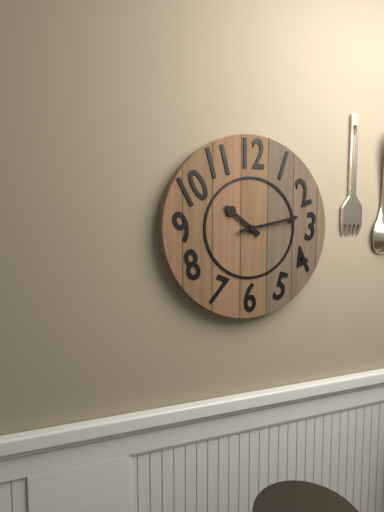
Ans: {"hour": 10, "minute": 13}
